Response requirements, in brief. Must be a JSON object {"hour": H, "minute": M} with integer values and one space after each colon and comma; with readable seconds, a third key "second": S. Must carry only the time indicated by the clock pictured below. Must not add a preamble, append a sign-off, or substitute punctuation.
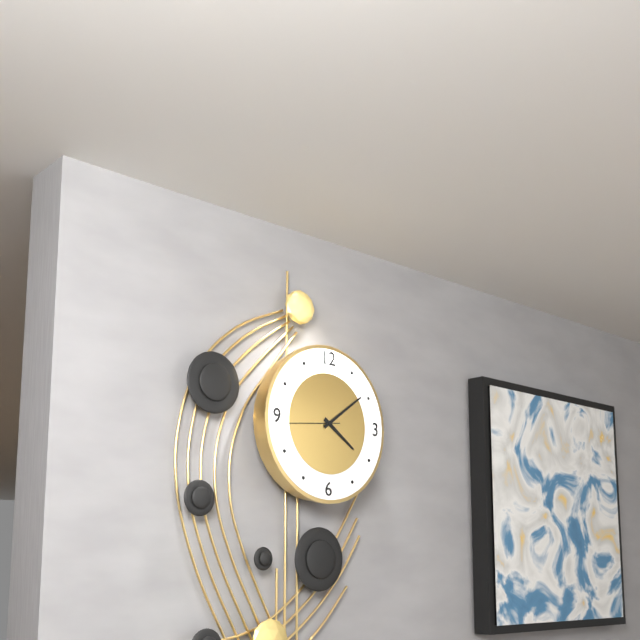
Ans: {"hour": 4, "minute": 9, "second": 44}
